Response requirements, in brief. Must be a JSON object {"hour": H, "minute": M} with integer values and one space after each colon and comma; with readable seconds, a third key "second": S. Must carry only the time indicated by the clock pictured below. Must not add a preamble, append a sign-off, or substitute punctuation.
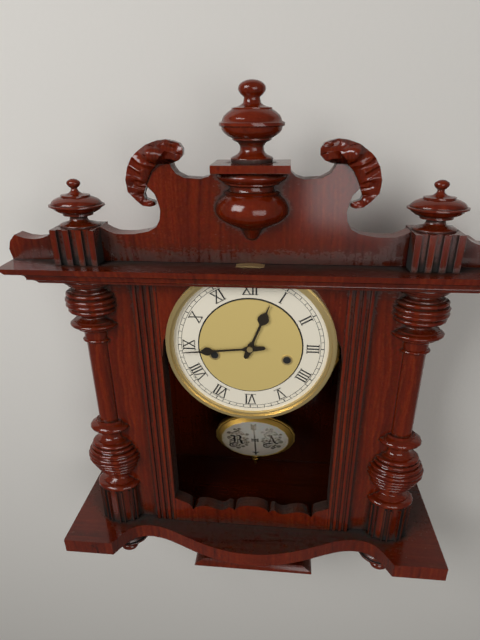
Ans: {"hour": 12, "minute": 44}
